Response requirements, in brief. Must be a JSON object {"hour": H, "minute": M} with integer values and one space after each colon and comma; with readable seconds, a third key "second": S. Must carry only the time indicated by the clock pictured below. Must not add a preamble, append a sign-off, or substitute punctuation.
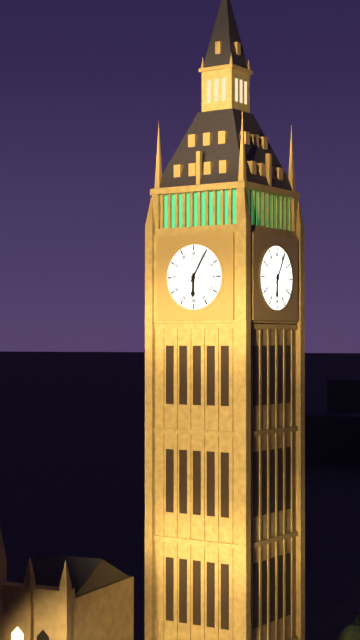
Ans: {"hour": 6, "minute": 5}
